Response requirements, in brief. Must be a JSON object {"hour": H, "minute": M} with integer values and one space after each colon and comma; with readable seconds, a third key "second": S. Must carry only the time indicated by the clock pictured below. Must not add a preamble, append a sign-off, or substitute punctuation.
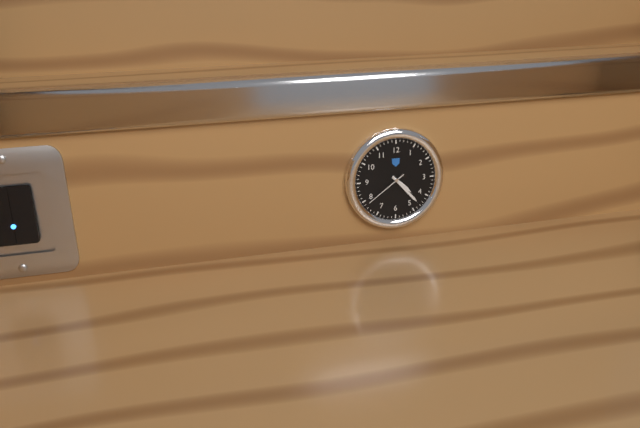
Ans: {"hour": 4, "minute": 23}
